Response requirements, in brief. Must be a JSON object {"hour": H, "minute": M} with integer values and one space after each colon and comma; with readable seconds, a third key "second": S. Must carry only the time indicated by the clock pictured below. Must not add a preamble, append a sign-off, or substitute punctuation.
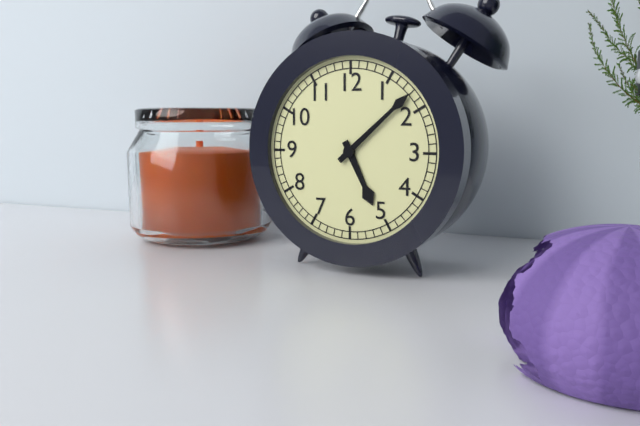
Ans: {"hour": 5, "minute": 8}
